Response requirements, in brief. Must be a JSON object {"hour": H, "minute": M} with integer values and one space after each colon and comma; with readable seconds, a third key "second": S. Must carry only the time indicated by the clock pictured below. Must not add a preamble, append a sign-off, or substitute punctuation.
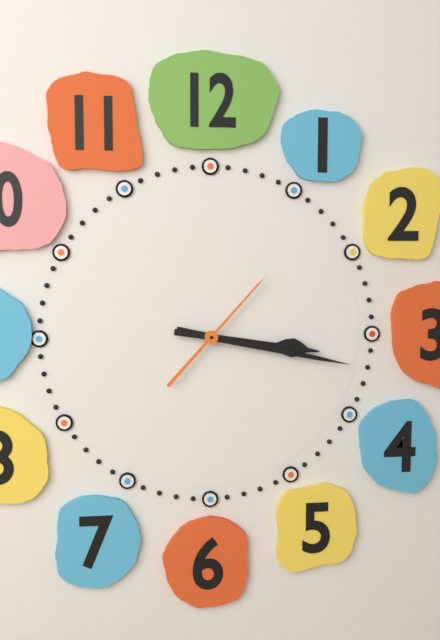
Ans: {"hour": 3, "minute": 17, "second": 7}
